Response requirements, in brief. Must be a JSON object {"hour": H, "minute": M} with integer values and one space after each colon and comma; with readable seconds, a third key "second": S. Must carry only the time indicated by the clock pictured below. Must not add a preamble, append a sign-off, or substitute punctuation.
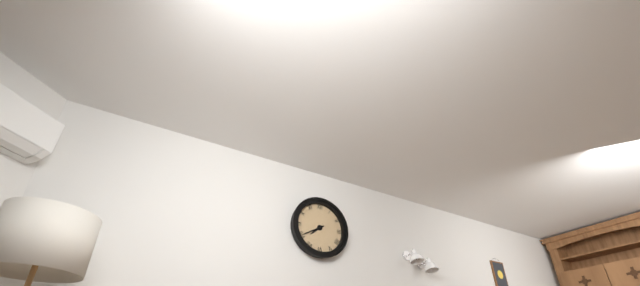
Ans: {"hour": 7, "minute": 40}
